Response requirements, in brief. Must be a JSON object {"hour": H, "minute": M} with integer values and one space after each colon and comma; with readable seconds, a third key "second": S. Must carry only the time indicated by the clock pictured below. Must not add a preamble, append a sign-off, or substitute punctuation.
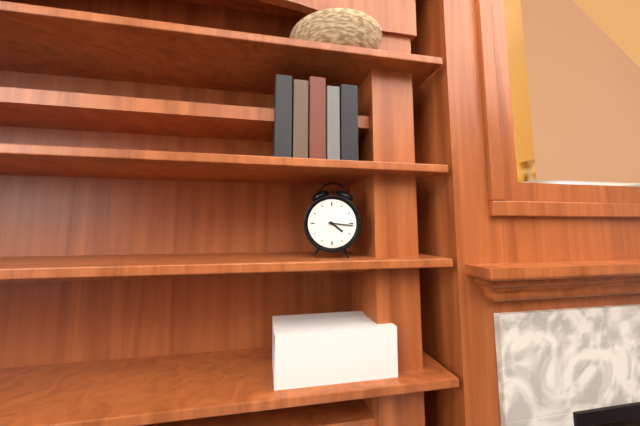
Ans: {"hour": 4, "minute": 16}
